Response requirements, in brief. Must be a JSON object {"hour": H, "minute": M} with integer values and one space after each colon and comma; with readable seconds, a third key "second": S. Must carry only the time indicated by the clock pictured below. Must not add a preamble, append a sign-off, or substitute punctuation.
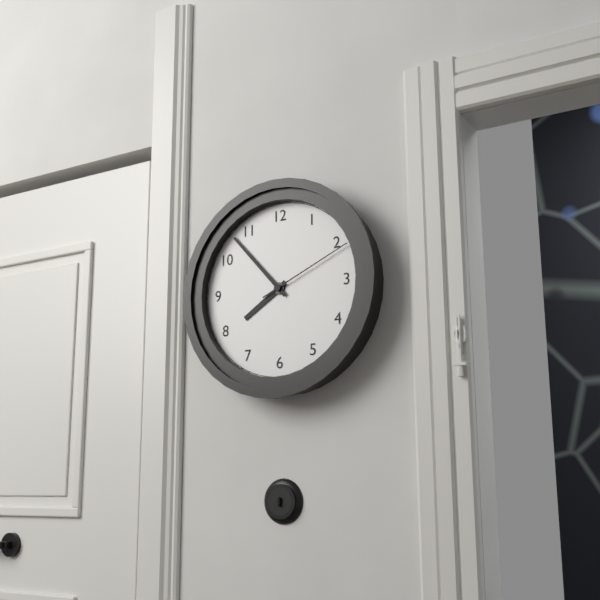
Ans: {"hour": 7, "minute": 53, "second": 11}
